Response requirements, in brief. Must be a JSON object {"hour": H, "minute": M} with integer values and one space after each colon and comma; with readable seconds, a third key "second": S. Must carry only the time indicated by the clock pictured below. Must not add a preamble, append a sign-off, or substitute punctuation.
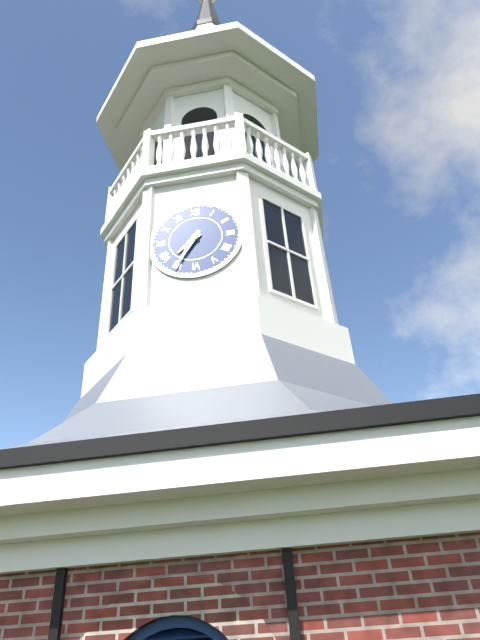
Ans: {"hour": 7, "minute": 35}
